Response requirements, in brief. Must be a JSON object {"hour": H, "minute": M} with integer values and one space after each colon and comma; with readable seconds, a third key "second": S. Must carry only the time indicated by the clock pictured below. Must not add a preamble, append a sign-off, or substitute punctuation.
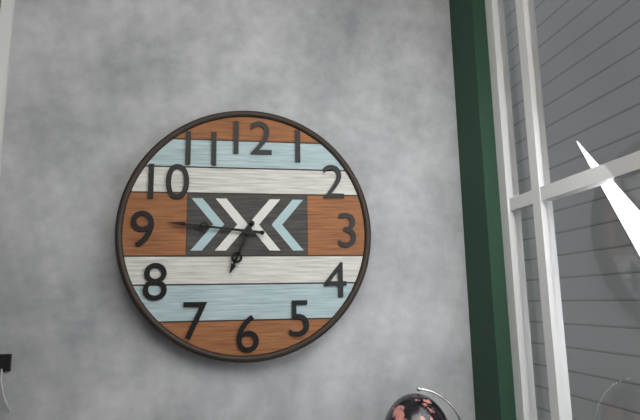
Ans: {"hour": 6, "minute": 46}
